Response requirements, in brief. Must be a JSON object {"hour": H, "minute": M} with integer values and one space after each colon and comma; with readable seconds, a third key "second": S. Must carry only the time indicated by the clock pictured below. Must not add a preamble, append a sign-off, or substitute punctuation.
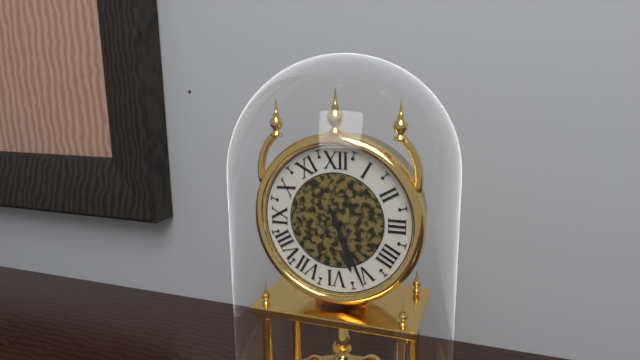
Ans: {"hour": 5, "minute": 26}
